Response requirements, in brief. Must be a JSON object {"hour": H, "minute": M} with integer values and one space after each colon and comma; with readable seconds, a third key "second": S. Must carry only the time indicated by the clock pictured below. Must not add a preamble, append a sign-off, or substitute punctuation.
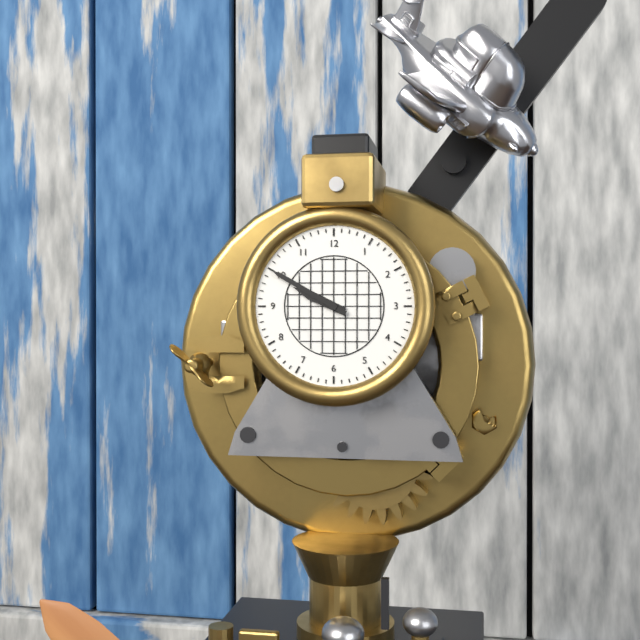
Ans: {"hour": 9, "minute": 50}
